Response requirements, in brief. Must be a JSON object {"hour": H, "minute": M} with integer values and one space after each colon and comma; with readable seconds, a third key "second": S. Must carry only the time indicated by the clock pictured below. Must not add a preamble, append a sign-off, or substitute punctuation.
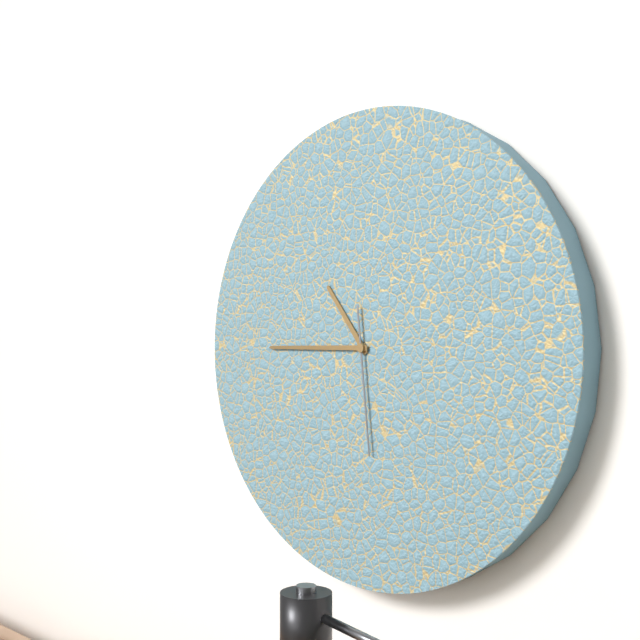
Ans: {"hour": 10, "minute": 45, "second": 29}
